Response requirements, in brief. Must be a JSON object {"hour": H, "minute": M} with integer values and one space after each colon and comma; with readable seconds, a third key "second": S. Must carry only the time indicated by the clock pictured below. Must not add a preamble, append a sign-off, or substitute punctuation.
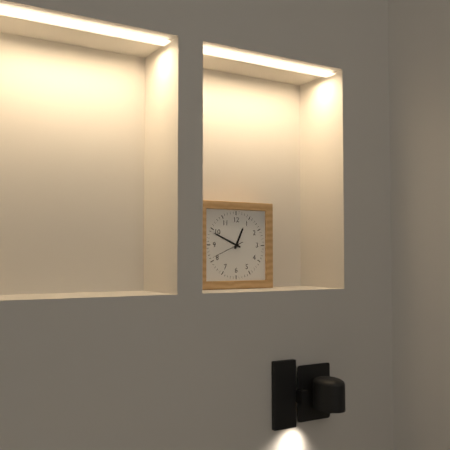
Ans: {"hour": 12, "minute": 49}
